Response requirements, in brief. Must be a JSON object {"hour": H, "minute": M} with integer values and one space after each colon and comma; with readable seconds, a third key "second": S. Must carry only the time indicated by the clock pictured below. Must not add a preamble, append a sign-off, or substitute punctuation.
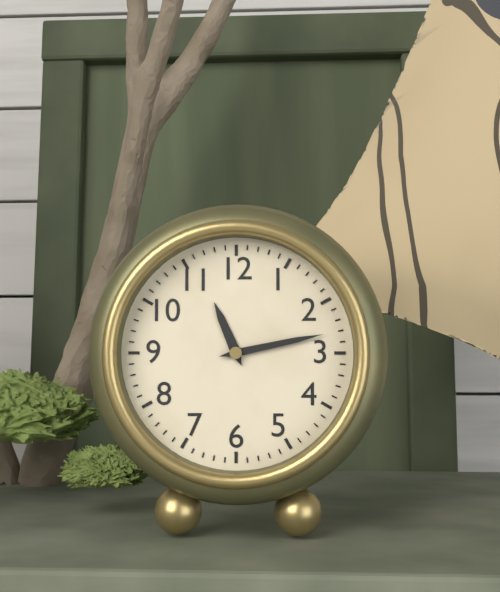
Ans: {"hour": 11, "minute": 13}
